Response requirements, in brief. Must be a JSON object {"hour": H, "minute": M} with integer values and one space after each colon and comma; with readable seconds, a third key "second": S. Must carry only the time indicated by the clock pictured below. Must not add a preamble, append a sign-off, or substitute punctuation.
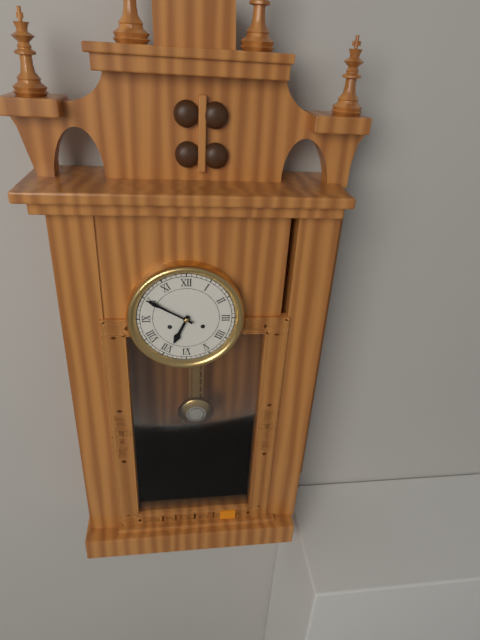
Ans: {"hour": 6, "minute": 50}
